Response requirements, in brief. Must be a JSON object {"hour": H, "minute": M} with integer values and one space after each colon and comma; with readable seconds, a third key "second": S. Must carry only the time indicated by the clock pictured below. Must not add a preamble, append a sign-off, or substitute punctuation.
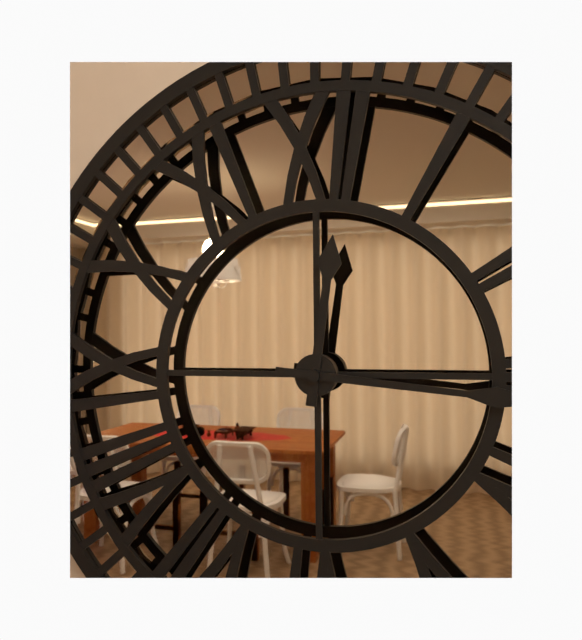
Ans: {"hour": 12, "minute": 16}
